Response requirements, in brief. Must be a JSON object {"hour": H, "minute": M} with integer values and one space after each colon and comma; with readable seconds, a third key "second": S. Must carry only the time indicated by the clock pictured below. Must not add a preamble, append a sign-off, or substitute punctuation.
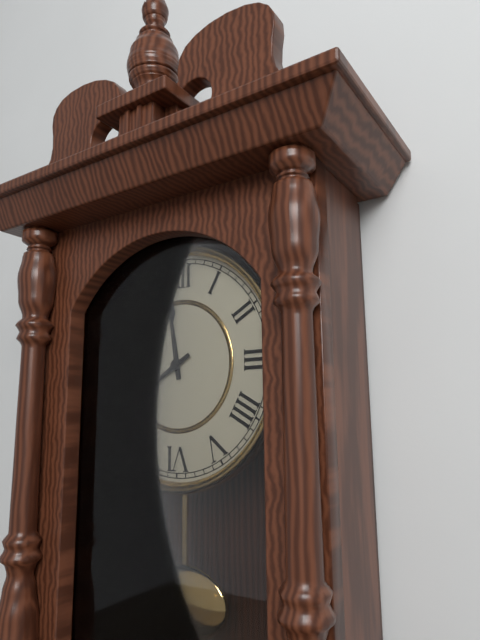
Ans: {"hour": 11, "minute": 40}
